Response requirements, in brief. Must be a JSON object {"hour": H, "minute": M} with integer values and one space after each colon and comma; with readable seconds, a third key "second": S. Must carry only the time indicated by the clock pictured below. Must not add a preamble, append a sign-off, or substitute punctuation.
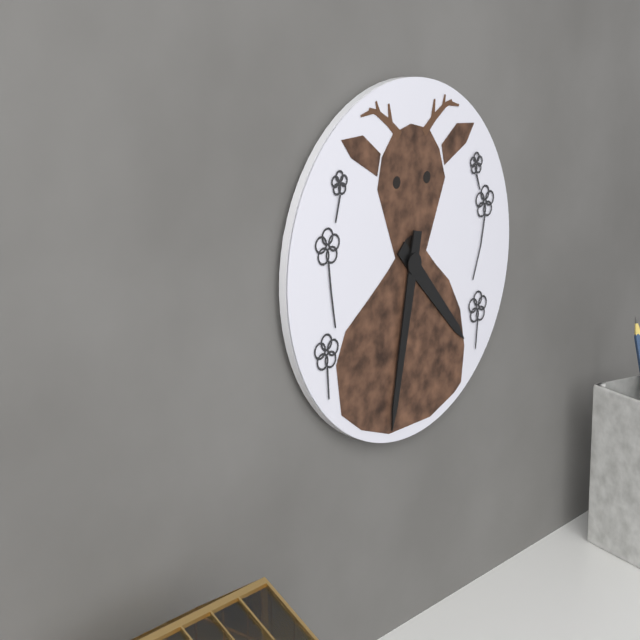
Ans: {"hour": 4, "minute": 32}
